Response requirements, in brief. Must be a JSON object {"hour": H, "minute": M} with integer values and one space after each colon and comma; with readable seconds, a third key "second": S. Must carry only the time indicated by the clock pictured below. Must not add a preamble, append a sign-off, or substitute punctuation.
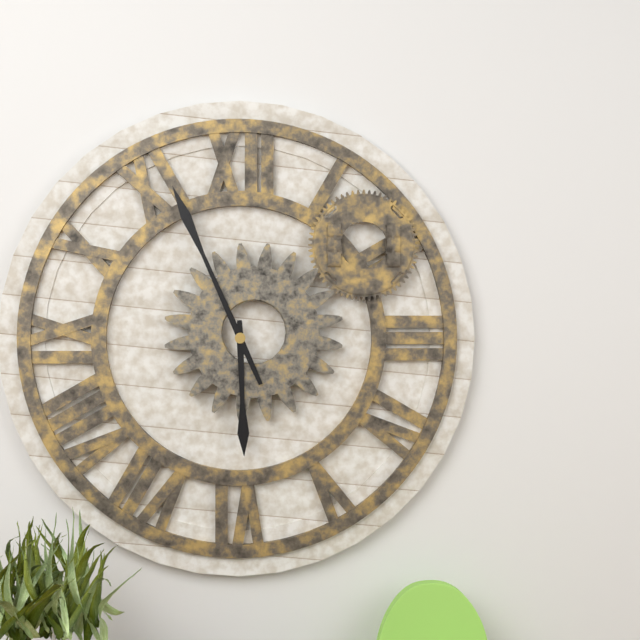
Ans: {"hour": 5, "minute": 56}
